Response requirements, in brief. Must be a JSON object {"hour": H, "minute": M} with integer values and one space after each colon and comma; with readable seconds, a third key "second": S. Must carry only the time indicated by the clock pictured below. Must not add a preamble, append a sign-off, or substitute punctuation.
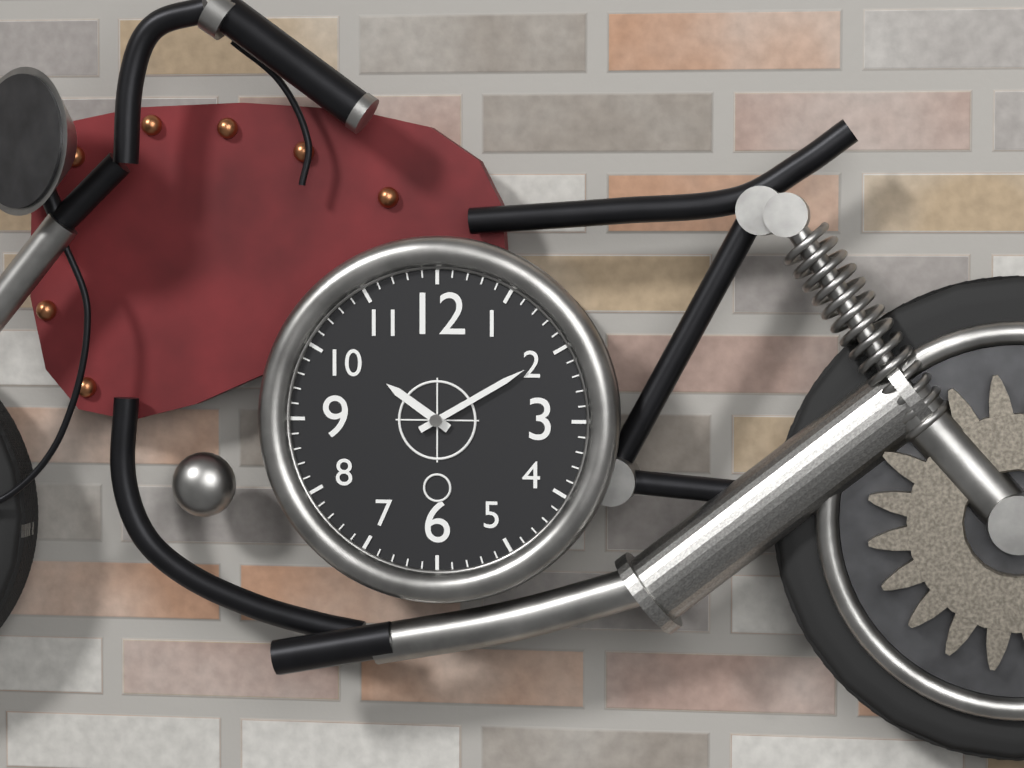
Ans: {"hour": 10, "minute": 10}
